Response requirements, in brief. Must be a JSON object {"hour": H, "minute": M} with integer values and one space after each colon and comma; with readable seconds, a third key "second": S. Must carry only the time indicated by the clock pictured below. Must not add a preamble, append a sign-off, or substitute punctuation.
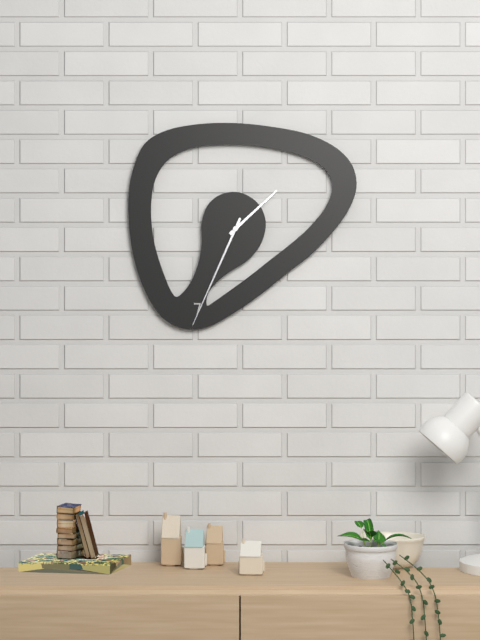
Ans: {"hour": 1, "minute": 34}
